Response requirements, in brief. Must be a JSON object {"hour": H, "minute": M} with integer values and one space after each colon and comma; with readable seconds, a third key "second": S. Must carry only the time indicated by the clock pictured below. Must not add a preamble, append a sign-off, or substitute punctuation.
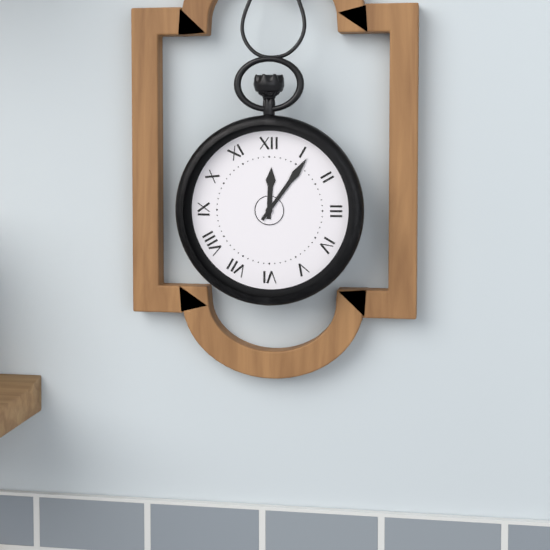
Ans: {"hour": 12, "minute": 6}
